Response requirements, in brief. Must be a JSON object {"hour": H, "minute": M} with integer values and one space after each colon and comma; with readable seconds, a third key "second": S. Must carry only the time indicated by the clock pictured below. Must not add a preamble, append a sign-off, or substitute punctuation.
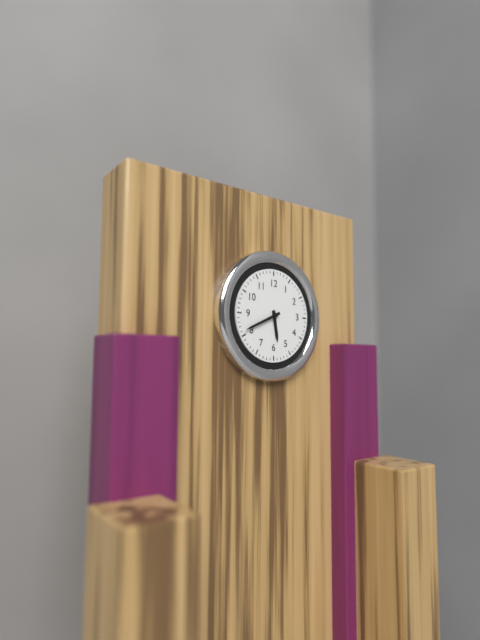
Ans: {"hour": 5, "minute": 41}
